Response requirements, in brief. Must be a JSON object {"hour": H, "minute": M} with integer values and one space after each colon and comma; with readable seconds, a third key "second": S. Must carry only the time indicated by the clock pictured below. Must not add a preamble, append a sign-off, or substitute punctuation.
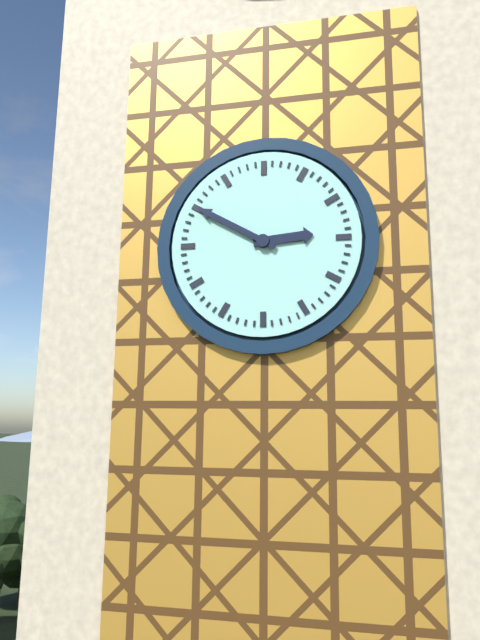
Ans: {"hour": 2, "minute": 50}
